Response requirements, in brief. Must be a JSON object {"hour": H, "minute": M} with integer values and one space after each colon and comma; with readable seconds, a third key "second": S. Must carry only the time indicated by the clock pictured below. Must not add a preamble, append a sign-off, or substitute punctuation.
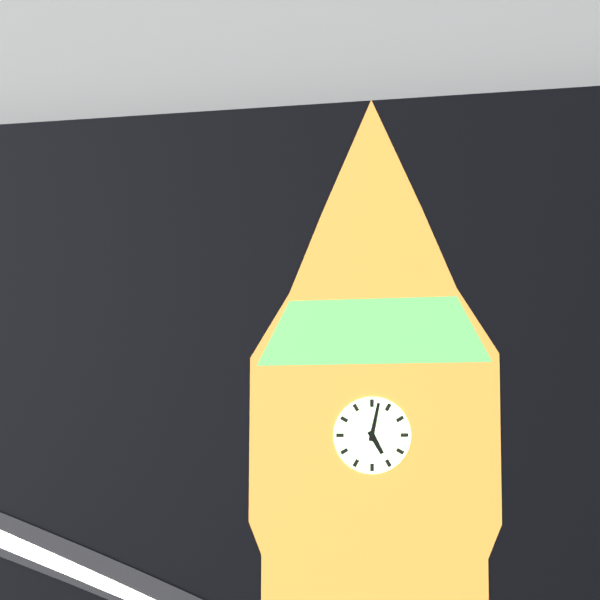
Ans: {"hour": 5, "minute": 2}
